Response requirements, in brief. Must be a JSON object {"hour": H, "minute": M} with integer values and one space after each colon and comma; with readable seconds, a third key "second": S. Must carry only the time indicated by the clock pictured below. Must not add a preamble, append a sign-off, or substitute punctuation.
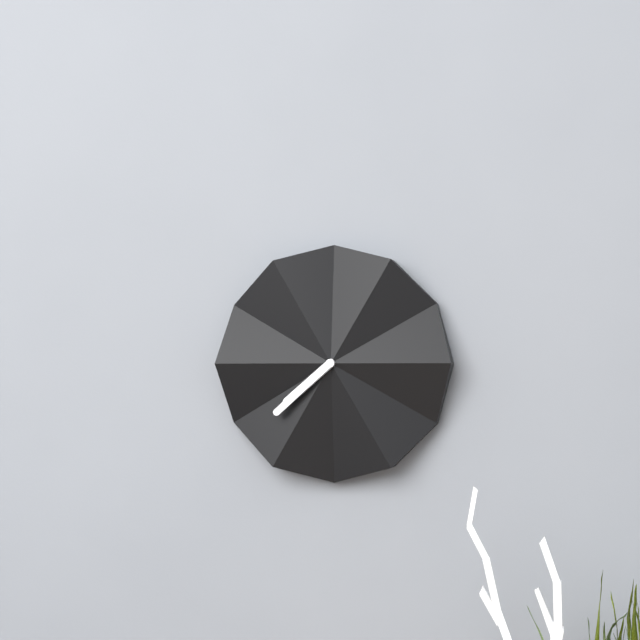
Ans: {"hour": 7, "minute": 38}
